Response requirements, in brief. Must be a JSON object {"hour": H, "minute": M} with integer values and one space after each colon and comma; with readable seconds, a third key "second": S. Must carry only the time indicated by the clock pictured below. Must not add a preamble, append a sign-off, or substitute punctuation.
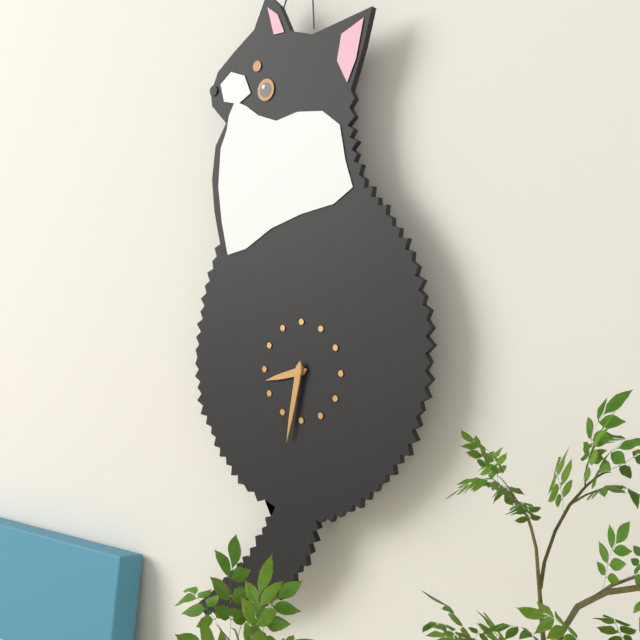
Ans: {"hour": 8, "minute": 32}
